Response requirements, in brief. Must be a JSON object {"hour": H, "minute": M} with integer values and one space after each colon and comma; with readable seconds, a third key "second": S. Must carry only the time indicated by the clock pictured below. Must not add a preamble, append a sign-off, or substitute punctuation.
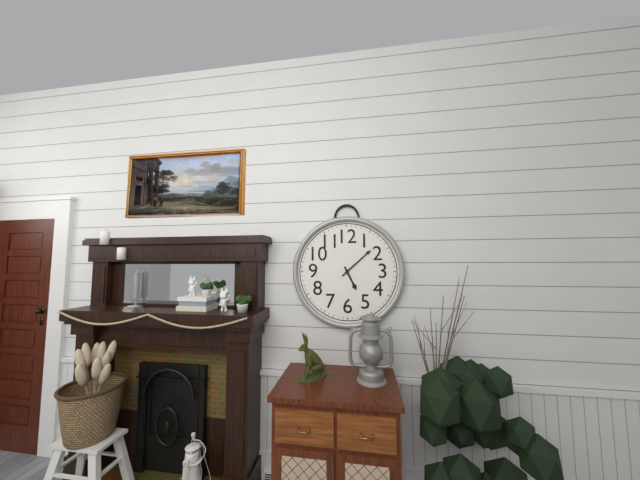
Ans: {"hour": 5, "minute": 8}
